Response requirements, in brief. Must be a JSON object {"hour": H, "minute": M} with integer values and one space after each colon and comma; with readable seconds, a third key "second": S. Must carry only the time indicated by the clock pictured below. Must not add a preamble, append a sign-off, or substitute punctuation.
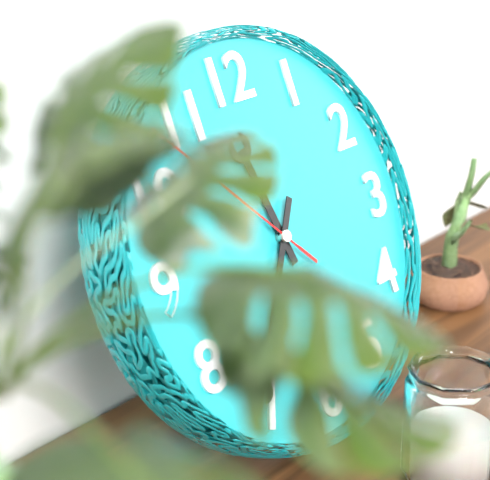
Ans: {"hour": 11, "minute": 36}
